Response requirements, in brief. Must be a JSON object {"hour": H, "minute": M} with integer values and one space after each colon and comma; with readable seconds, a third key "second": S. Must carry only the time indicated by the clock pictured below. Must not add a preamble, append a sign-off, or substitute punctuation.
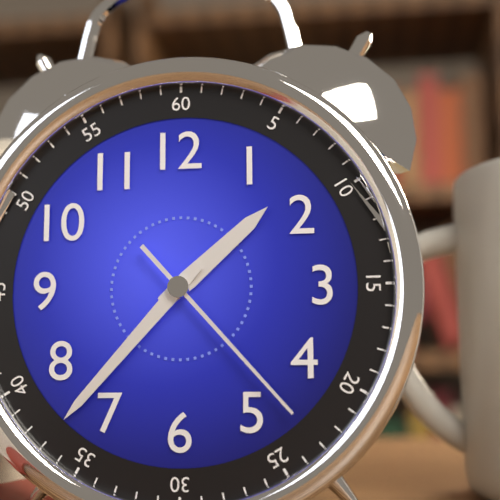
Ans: {"hour": 1, "minute": 37, "second": 23}
